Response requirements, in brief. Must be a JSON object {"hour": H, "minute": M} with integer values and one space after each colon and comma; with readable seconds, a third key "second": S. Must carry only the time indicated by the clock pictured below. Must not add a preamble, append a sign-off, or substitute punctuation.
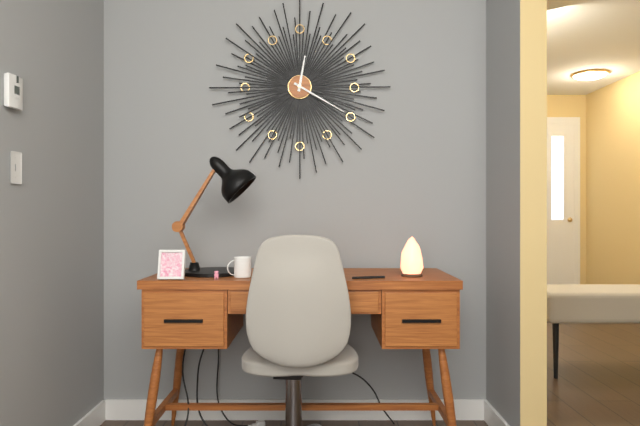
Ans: {"hour": 12, "minute": 20}
